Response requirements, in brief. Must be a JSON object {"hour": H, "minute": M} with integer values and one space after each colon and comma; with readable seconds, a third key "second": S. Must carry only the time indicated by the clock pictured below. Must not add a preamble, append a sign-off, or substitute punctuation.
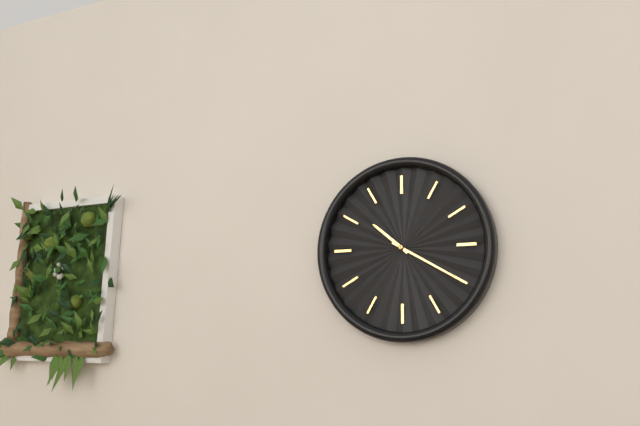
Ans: {"hour": 10, "minute": 20}
